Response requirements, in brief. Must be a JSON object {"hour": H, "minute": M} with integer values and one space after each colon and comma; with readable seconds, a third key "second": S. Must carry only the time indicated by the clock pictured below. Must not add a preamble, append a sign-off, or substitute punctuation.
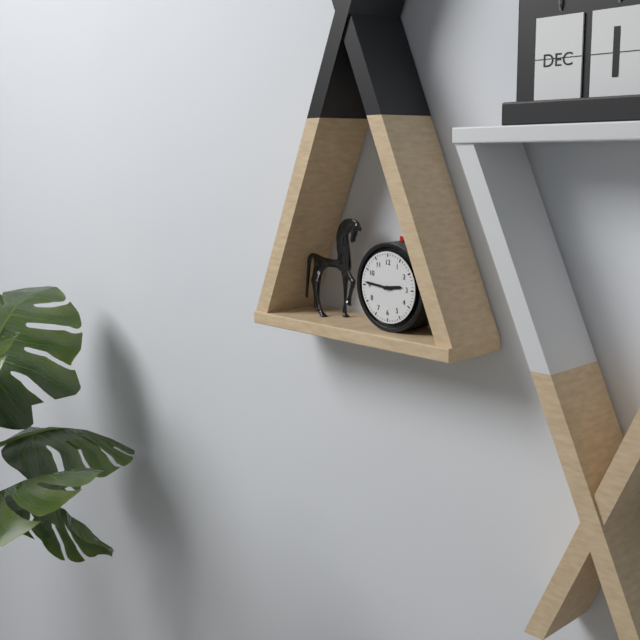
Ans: {"hour": 2, "minute": 46}
